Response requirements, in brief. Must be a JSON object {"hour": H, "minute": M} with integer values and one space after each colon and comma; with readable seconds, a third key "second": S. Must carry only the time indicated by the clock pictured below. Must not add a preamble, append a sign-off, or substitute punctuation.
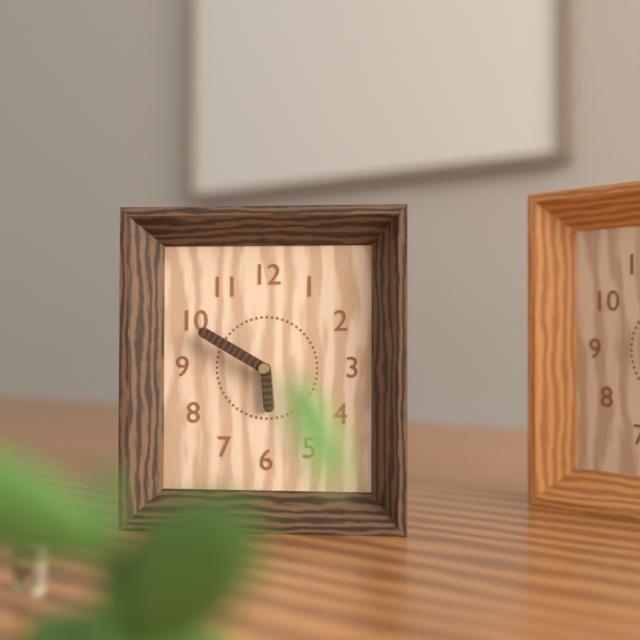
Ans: {"hour": 5, "minute": 50}
